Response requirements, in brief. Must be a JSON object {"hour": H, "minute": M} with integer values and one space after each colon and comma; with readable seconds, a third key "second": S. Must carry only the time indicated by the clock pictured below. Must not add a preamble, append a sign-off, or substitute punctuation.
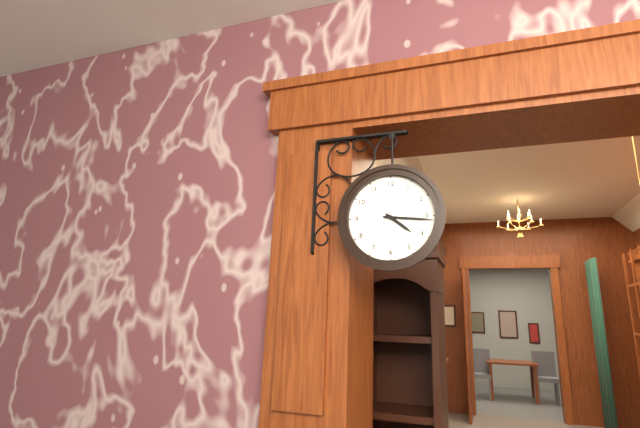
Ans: {"hour": 4, "minute": 16}
